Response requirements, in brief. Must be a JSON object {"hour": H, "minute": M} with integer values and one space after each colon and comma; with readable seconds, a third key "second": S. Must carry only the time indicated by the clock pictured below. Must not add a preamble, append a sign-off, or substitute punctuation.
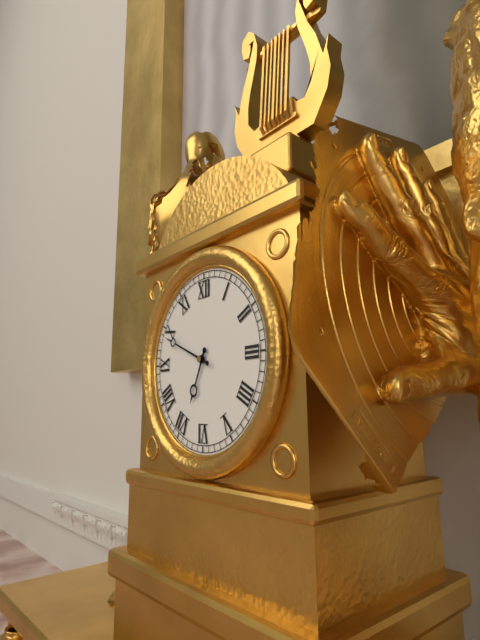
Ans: {"hour": 6, "minute": 49}
